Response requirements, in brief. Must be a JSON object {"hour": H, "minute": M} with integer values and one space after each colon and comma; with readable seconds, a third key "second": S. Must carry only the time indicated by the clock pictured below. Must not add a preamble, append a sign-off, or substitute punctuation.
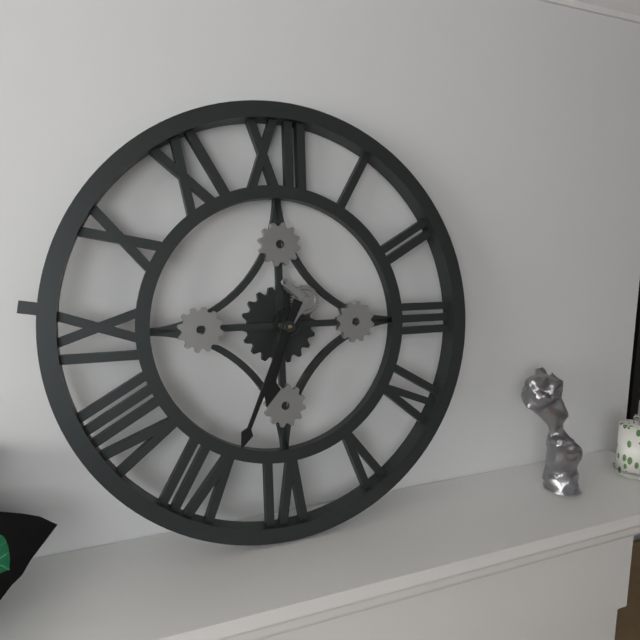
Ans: {"hour": 6, "minute": 34}
